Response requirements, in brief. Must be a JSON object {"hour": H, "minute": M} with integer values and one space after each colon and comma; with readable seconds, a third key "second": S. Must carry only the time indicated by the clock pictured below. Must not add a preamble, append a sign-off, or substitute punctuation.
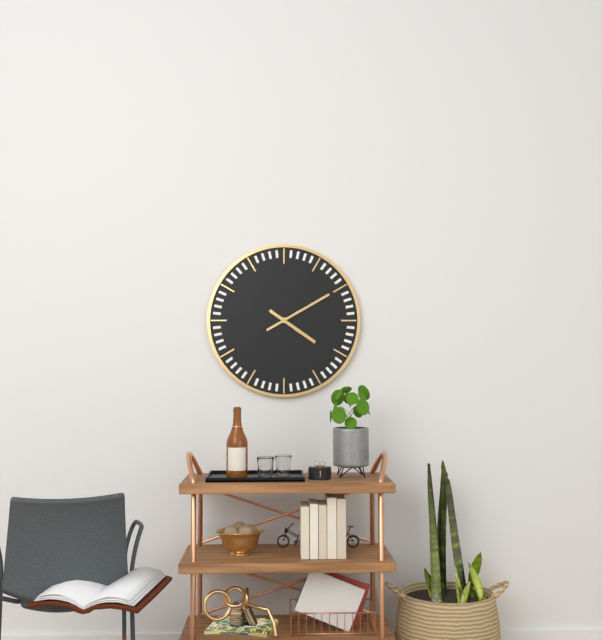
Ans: {"hour": 4, "minute": 10}
